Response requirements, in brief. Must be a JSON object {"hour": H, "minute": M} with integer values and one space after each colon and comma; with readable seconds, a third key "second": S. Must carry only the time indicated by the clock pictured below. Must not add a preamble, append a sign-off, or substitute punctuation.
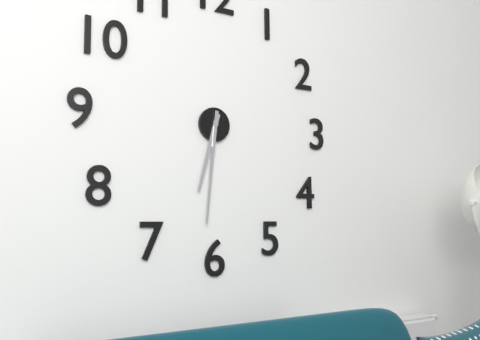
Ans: {"hour": 6, "minute": 31}
